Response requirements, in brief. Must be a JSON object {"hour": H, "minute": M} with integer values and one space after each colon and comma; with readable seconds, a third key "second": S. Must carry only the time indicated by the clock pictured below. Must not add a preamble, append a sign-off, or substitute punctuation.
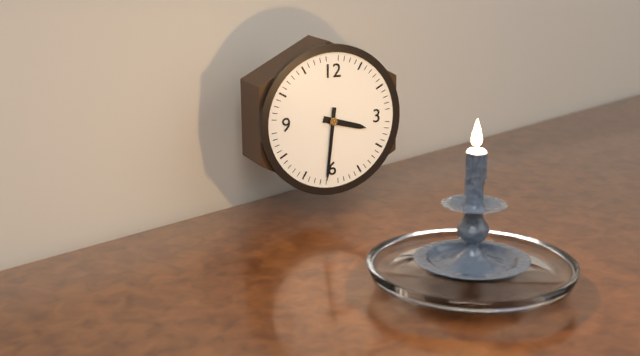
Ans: {"hour": 3, "minute": 31}
